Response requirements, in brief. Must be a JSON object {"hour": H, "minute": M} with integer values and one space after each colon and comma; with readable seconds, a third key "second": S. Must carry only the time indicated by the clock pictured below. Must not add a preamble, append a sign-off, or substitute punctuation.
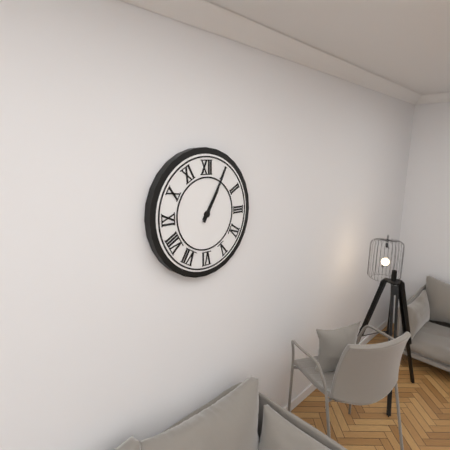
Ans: {"hour": 1, "minute": 5}
